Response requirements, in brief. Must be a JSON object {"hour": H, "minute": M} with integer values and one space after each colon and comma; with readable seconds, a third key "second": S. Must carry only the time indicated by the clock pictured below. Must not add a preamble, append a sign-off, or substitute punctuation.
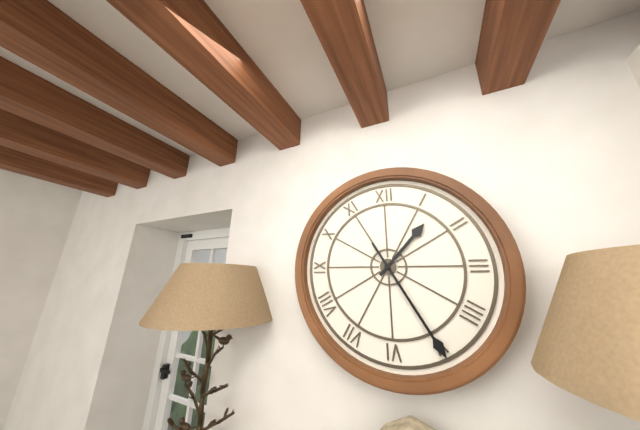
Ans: {"hour": 1, "minute": 25}
